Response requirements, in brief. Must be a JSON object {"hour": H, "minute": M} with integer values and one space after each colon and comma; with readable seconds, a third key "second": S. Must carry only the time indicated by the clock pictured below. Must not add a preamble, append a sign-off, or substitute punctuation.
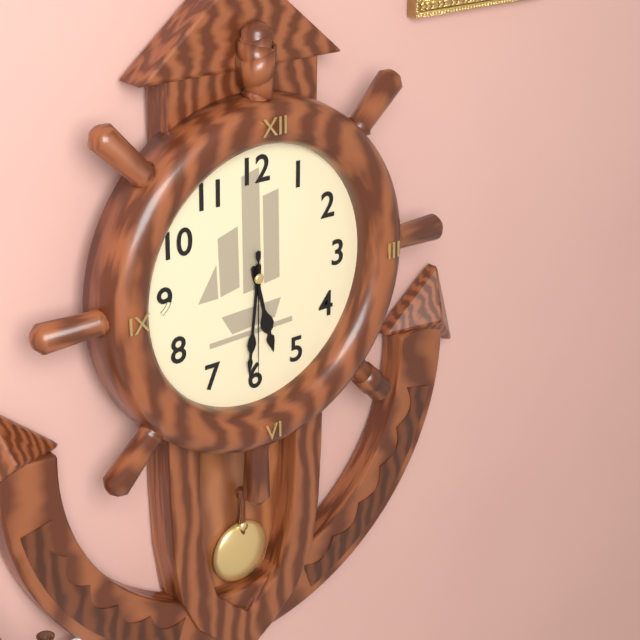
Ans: {"hour": 5, "minute": 31, "second": 30}
